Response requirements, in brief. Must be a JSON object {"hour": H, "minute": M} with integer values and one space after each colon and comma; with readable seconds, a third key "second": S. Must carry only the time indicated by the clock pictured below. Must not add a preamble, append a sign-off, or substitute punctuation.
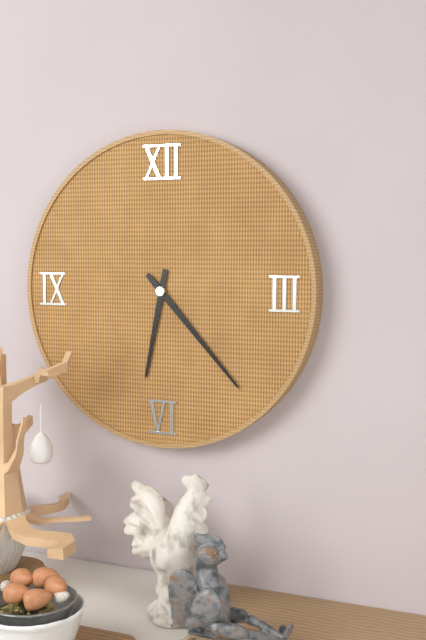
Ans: {"hour": 6, "minute": 23}
